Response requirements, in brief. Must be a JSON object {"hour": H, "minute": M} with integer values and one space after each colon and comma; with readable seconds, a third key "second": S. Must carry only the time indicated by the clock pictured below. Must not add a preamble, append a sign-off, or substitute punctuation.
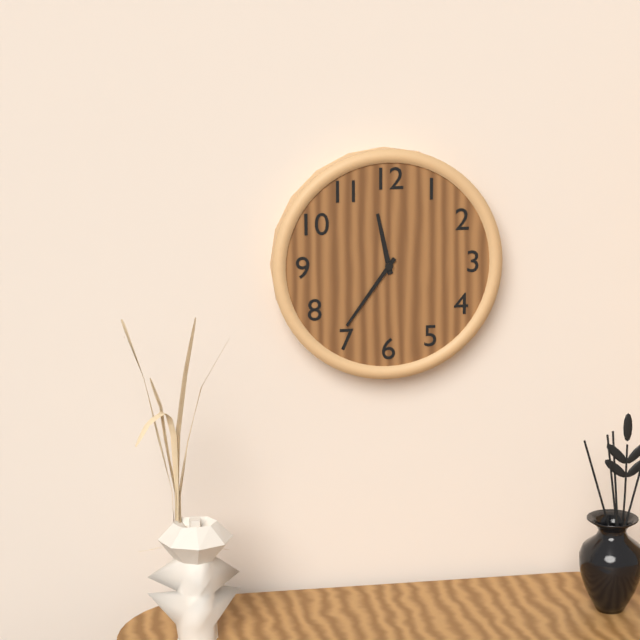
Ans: {"hour": 11, "minute": 36}
